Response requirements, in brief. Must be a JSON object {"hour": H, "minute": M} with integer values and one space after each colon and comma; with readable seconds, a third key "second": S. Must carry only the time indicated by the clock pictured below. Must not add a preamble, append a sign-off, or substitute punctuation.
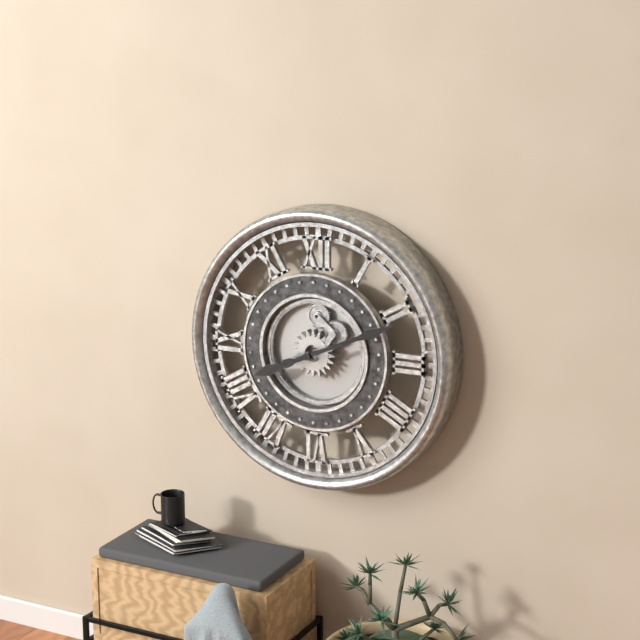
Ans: {"hour": 8, "minute": 11}
